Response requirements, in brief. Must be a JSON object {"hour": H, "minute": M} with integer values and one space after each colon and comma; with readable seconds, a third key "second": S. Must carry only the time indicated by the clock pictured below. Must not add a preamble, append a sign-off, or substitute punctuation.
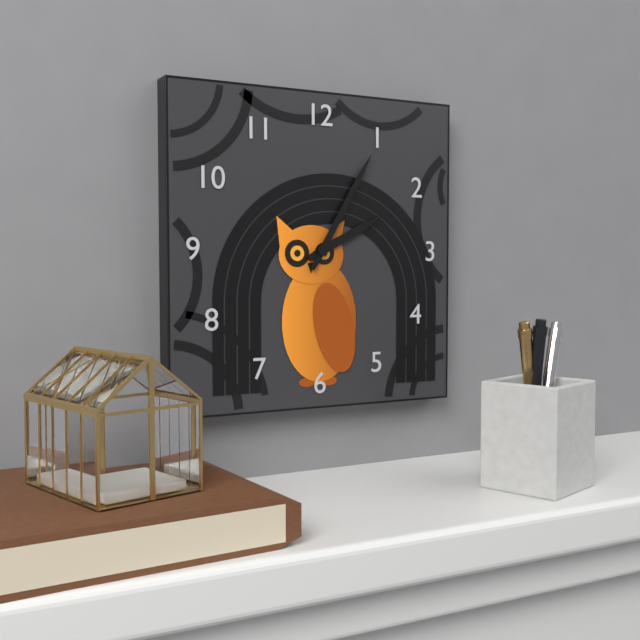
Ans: {"hour": 2, "minute": 5}
